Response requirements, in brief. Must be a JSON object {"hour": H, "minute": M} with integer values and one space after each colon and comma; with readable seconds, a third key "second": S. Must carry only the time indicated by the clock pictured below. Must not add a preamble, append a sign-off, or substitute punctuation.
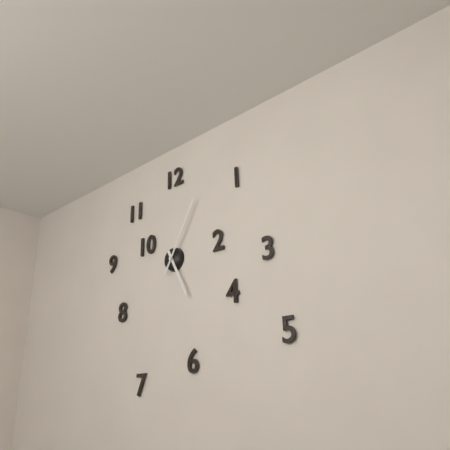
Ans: {"hour": 5, "minute": 5}
